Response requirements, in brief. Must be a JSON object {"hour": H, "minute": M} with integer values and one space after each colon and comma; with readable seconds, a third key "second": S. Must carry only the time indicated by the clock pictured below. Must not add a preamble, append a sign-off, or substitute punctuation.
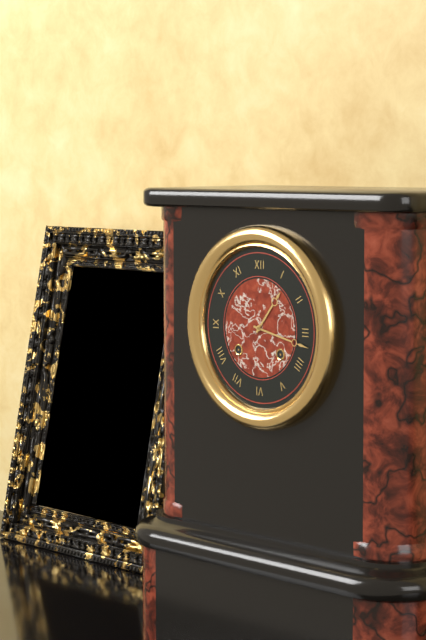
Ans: {"hour": 1, "minute": 17}
